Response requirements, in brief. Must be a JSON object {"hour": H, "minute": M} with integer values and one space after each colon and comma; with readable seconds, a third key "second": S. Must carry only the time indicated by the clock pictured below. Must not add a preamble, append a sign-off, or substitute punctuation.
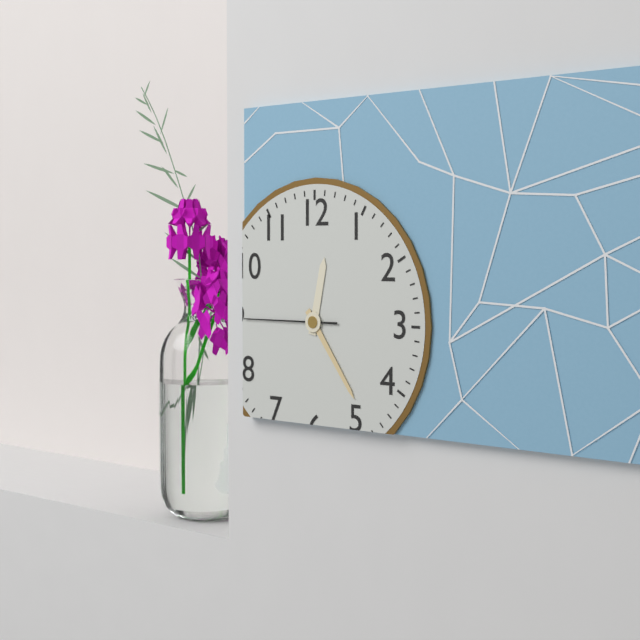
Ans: {"hour": 12, "minute": 24, "second": 45}
